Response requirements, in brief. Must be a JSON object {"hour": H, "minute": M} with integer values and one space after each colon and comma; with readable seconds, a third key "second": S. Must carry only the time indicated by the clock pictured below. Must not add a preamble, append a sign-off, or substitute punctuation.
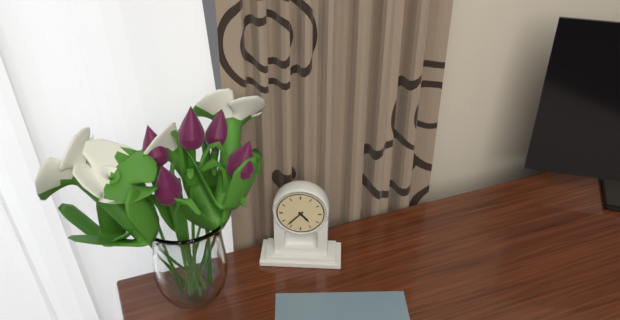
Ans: {"hour": 4, "minute": 37}
